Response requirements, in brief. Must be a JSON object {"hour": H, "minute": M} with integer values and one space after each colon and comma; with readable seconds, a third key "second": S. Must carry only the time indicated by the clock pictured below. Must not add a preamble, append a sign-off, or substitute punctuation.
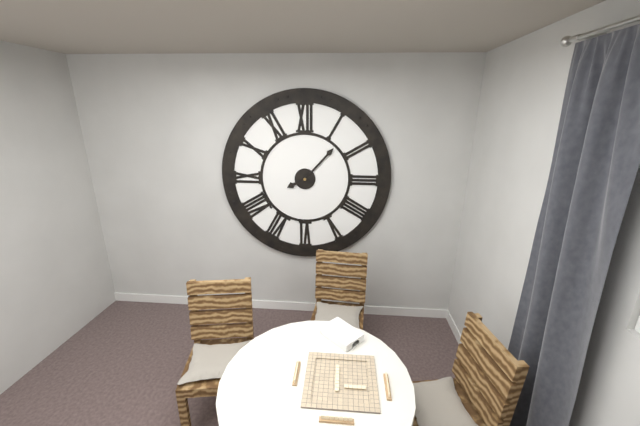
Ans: {"hour": 8, "minute": 7}
